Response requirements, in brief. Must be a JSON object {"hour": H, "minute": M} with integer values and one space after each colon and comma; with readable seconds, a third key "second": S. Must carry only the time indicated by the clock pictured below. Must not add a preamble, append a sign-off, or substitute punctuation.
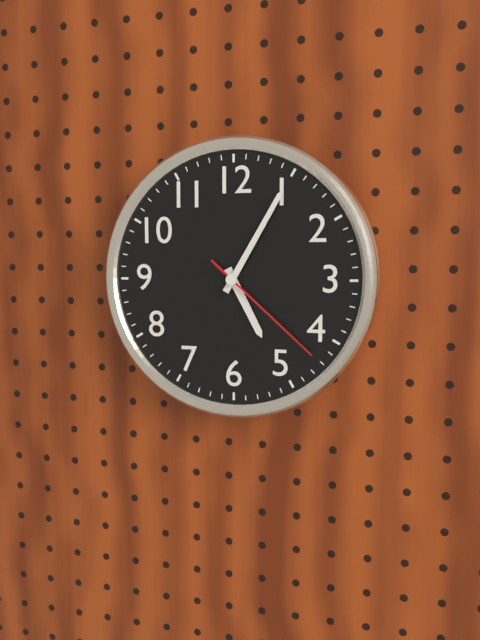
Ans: {"hour": 5, "minute": 5, "second": 22}
